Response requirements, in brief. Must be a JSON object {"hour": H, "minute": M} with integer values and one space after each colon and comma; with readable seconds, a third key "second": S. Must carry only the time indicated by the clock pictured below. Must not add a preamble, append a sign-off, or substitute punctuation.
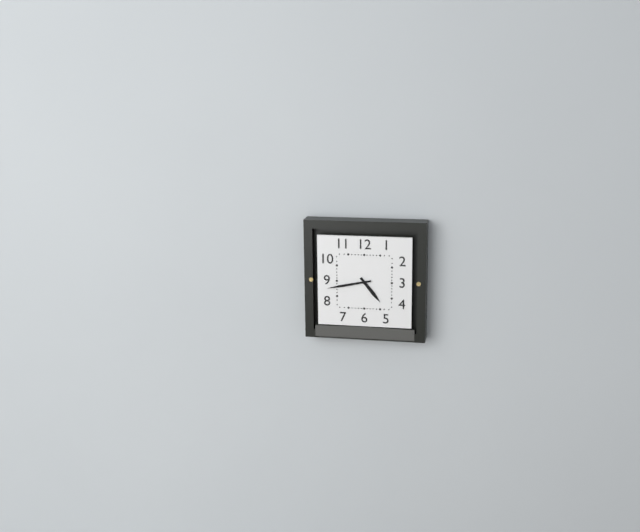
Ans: {"hour": 4, "minute": 43}
